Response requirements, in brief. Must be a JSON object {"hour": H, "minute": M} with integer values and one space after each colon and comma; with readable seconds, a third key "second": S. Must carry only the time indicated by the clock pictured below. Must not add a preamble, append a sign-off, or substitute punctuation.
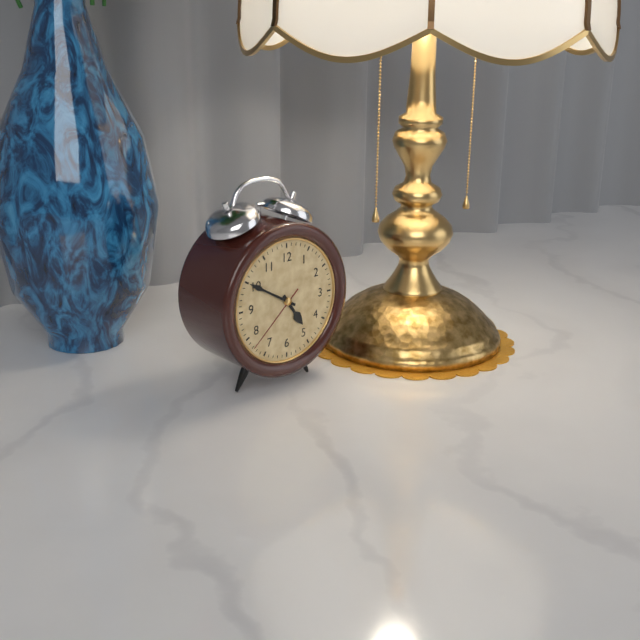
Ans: {"hour": 4, "minute": 50, "second": 38}
